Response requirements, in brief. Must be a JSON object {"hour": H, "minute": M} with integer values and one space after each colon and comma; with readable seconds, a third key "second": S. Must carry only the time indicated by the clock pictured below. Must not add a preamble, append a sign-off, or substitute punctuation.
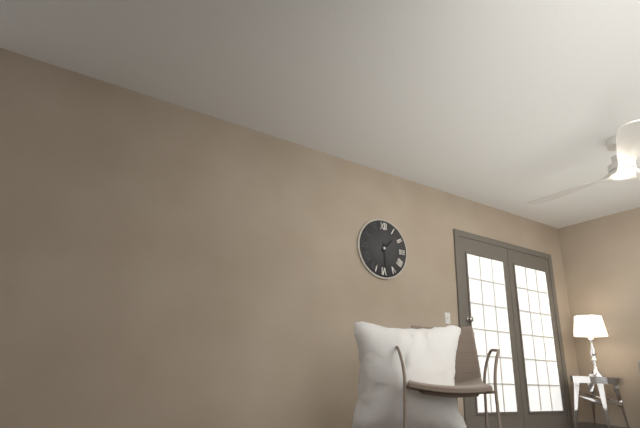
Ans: {"hour": 1, "minute": 29}
